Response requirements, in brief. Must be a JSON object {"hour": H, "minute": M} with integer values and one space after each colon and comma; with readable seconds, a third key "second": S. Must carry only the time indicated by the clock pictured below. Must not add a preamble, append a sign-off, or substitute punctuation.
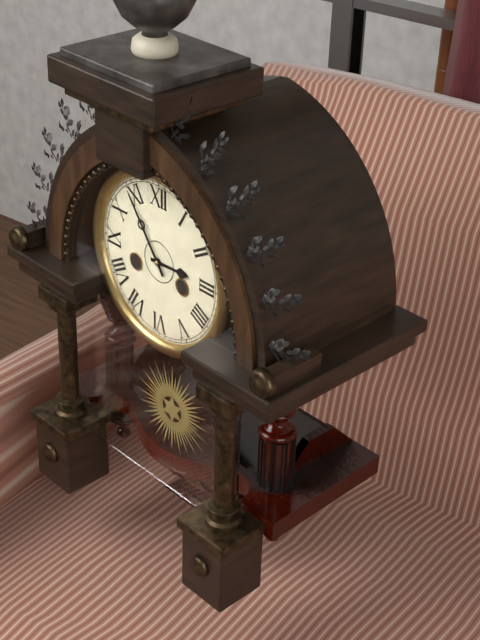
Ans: {"hour": 2, "minute": 54}
